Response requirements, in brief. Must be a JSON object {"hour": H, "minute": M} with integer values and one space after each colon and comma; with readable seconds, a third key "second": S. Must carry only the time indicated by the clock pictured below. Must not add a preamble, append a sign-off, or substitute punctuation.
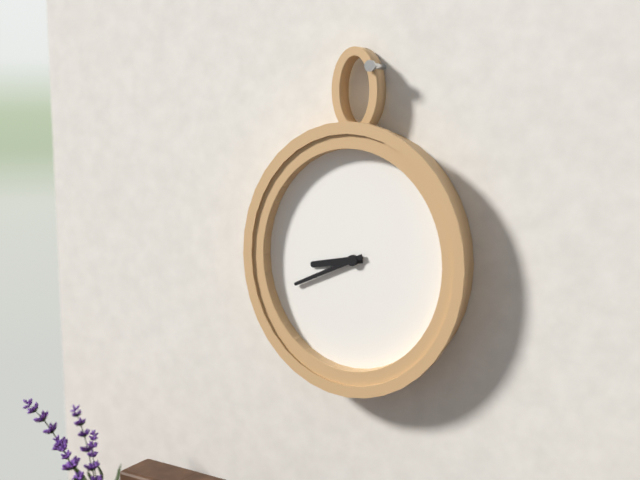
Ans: {"hour": 8, "minute": 41}
